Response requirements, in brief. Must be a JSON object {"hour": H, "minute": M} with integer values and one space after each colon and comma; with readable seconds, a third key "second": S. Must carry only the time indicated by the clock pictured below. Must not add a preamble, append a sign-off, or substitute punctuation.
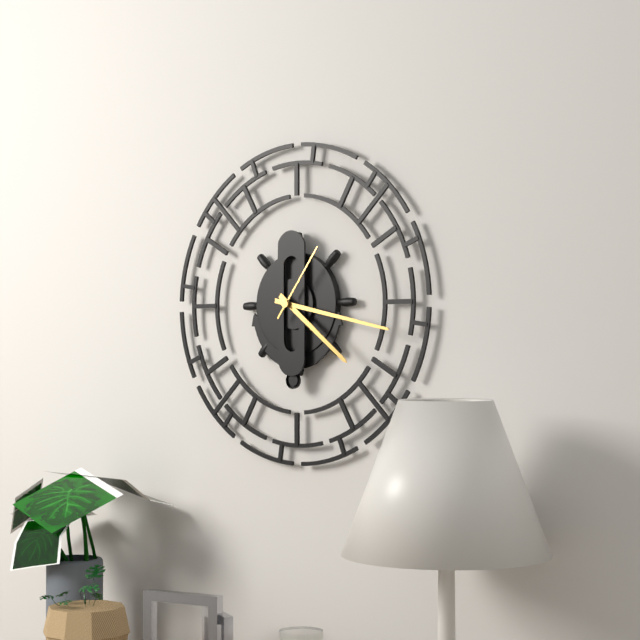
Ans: {"hour": 4, "minute": 17, "second": 6}
